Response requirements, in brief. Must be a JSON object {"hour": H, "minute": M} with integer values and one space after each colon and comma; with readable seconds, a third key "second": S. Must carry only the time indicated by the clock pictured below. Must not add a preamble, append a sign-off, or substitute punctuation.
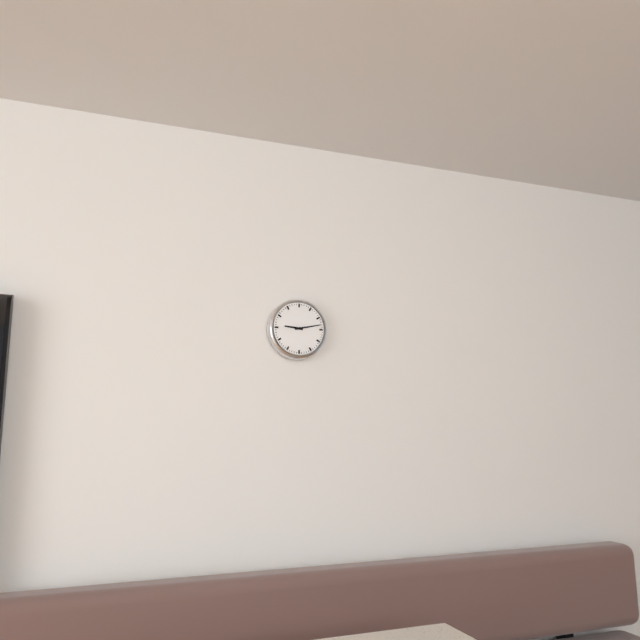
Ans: {"hour": 9, "minute": 13}
